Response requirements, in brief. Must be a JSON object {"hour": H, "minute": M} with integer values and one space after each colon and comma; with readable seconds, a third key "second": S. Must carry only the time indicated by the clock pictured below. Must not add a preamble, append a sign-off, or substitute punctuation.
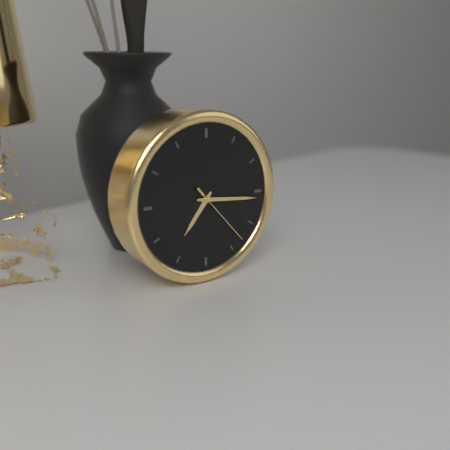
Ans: {"hour": 7, "minute": 16, "second": 23}
